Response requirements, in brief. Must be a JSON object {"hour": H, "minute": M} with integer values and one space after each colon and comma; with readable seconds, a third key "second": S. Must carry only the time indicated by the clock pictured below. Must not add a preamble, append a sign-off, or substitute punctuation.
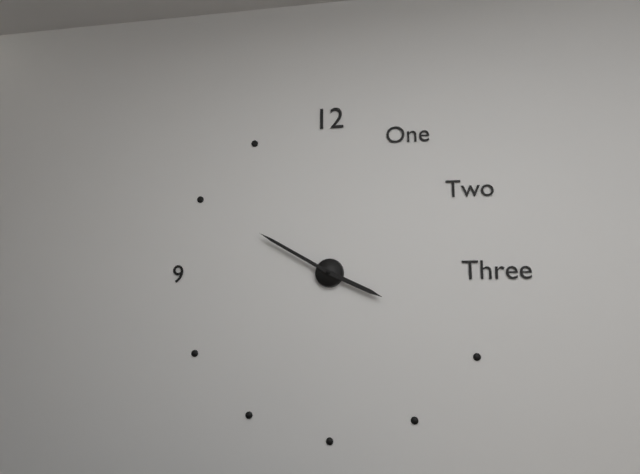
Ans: {"hour": 3, "minute": 50}
